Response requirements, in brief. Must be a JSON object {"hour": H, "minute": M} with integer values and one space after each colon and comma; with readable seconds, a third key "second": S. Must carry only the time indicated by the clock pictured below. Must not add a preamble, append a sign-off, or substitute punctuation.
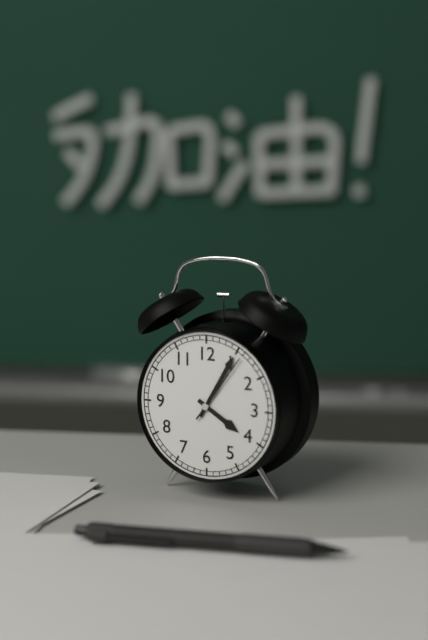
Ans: {"hour": 4, "minute": 5, "second": 6}
